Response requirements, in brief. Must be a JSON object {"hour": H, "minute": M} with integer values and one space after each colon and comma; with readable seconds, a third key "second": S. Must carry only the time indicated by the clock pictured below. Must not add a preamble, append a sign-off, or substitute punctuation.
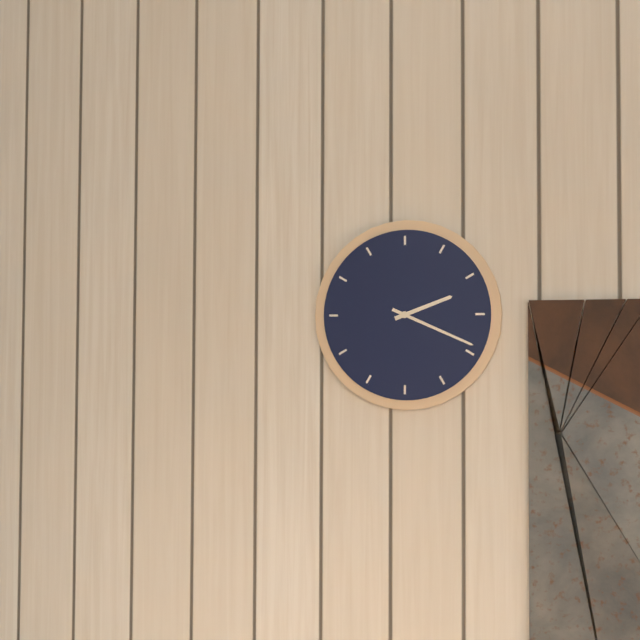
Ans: {"hour": 2, "minute": 19}
